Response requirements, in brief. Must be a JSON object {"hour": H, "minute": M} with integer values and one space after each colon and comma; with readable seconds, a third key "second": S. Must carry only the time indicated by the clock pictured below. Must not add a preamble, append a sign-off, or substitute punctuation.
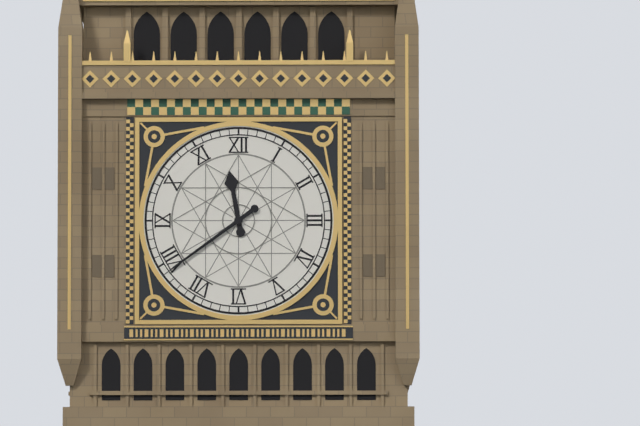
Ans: {"hour": 11, "minute": 39}
